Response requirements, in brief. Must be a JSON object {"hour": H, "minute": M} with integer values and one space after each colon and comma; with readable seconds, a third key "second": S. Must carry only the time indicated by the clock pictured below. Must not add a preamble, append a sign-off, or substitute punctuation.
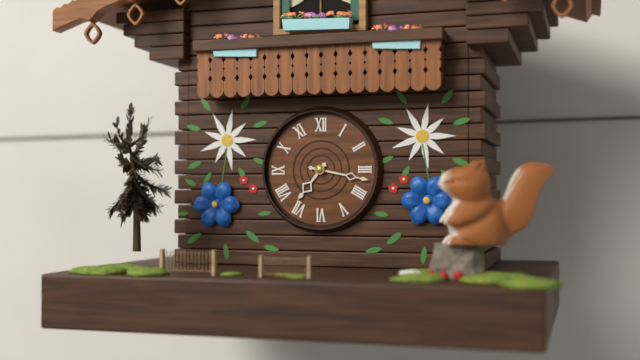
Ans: {"hour": 7, "minute": 17}
